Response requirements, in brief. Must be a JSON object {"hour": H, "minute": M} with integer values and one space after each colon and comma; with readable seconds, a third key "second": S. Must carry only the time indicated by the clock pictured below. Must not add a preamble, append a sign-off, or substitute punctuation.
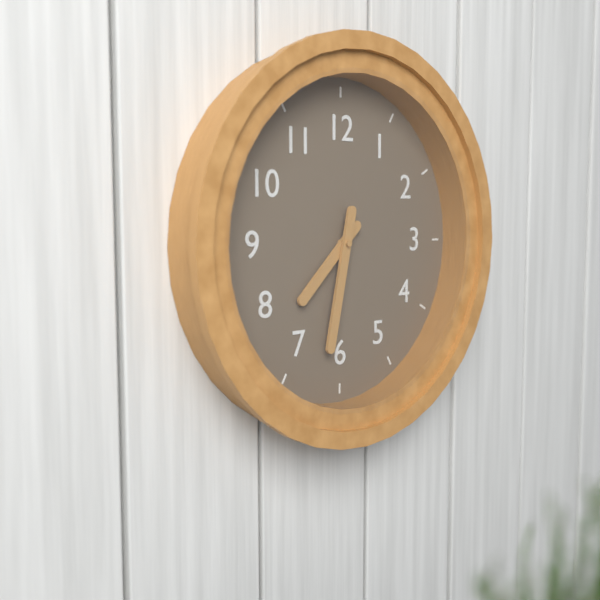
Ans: {"hour": 7, "minute": 32}
